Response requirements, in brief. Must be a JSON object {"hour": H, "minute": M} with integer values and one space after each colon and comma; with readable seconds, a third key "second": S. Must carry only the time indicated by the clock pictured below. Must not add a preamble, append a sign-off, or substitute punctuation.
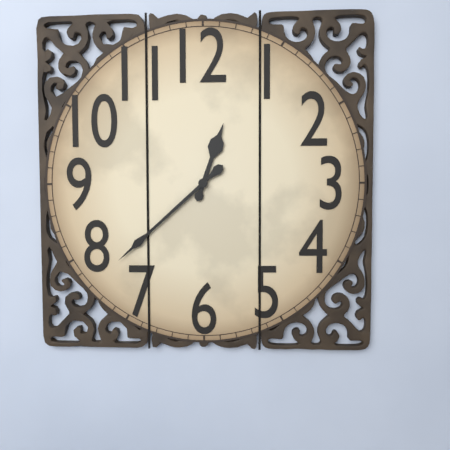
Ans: {"hour": 12, "minute": 38}
